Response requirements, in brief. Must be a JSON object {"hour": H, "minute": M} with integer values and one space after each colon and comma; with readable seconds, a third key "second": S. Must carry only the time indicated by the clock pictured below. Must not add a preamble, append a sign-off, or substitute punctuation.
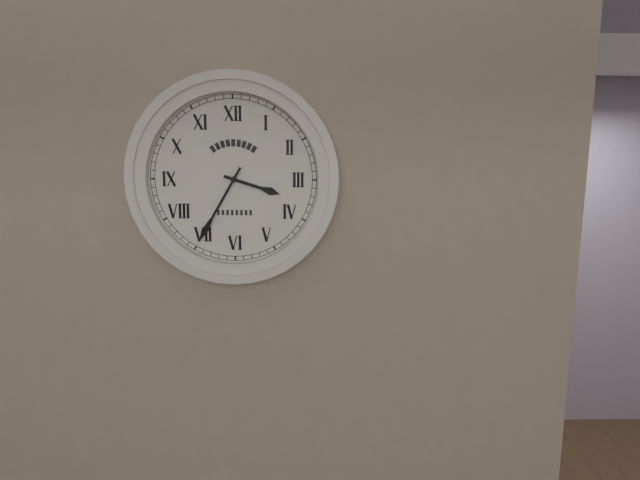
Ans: {"hour": 3, "minute": 35}
